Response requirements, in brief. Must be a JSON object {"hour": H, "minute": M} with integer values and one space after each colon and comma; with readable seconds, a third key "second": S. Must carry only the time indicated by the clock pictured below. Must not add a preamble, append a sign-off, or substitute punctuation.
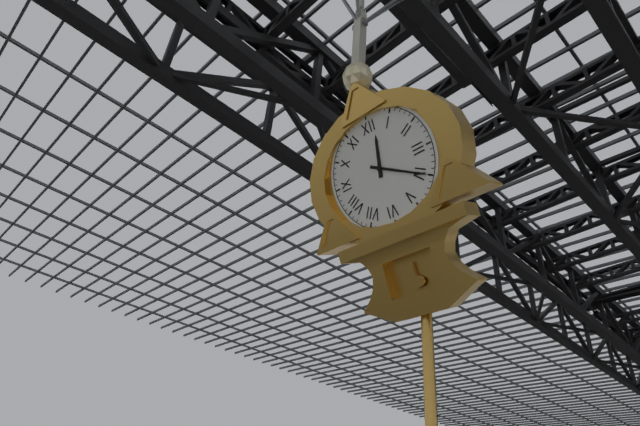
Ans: {"hour": 12, "minute": 20}
